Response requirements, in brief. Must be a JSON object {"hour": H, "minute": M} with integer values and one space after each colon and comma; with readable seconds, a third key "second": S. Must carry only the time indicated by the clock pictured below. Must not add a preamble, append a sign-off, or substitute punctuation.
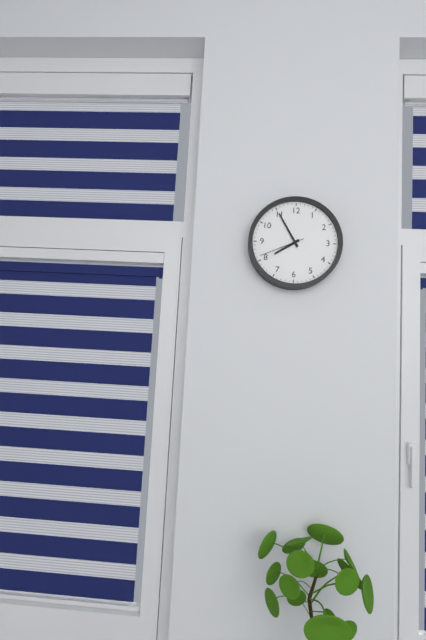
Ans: {"hour": 7, "minute": 55}
